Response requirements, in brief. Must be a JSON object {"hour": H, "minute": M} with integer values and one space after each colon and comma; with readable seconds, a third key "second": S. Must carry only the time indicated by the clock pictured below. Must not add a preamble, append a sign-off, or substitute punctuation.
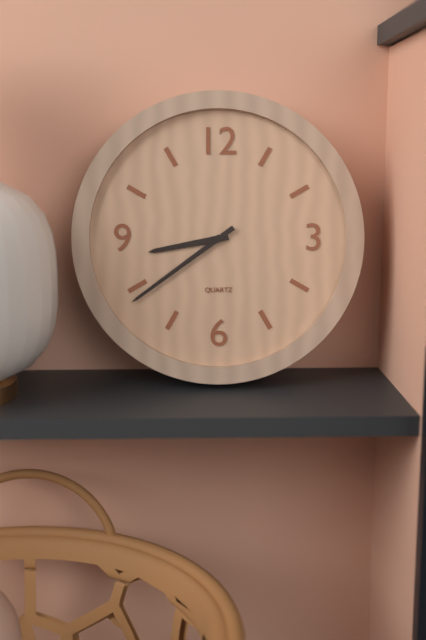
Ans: {"hour": 8, "minute": 39}
